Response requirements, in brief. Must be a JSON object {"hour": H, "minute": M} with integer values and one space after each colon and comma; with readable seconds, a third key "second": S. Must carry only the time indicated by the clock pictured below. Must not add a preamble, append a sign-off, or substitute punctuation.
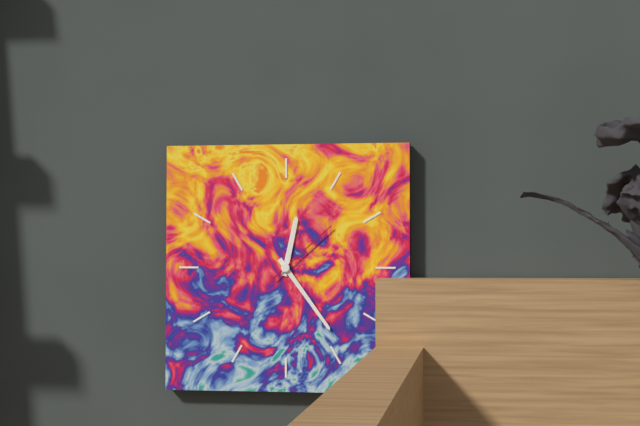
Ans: {"hour": 12, "minute": 24, "second": 8}
